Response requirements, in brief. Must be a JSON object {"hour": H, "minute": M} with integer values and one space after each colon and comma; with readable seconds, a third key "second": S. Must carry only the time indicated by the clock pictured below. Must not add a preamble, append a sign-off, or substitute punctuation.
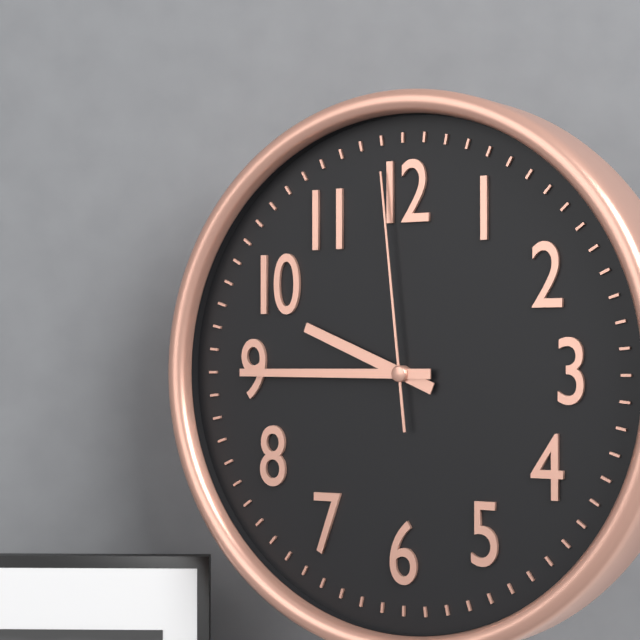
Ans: {"hour": 9, "minute": 45, "second": 59}
